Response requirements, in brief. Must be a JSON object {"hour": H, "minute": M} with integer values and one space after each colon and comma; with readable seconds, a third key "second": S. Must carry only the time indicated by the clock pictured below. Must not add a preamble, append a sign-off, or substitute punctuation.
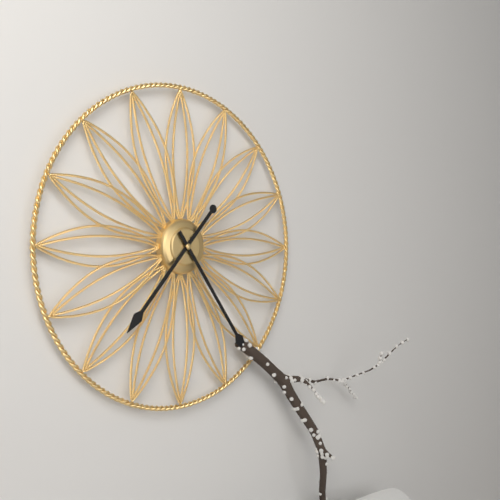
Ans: {"hour": 7, "minute": 24}
